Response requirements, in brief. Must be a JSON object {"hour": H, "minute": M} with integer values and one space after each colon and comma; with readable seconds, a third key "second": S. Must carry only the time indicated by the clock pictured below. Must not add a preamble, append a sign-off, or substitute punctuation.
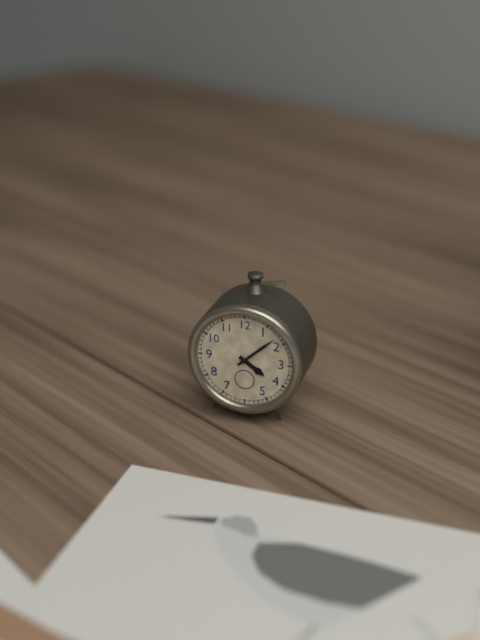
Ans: {"hour": 4, "minute": 8}
